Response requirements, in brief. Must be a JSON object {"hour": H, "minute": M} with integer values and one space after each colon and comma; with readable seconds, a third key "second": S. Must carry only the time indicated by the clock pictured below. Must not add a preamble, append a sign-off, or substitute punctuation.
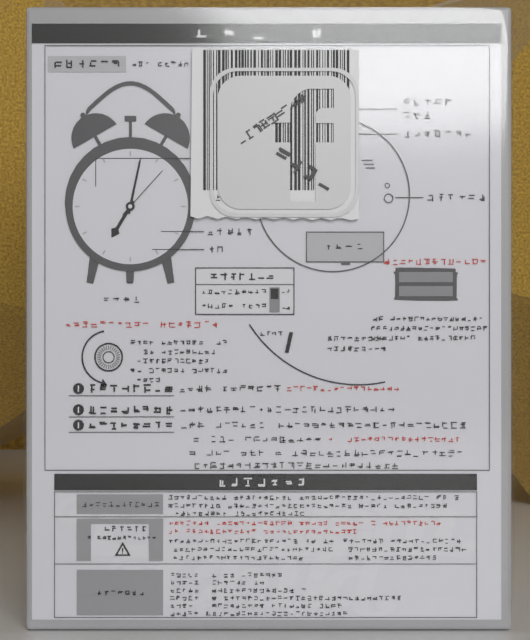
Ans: {"hour": 7, "minute": 2, "second": 7}
